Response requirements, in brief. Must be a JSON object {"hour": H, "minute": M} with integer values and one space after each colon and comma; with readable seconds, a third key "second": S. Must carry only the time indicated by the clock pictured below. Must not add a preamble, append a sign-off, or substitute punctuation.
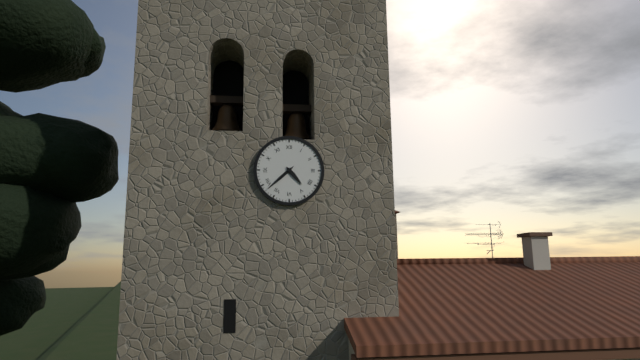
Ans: {"hour": 4, "minute": 38}
